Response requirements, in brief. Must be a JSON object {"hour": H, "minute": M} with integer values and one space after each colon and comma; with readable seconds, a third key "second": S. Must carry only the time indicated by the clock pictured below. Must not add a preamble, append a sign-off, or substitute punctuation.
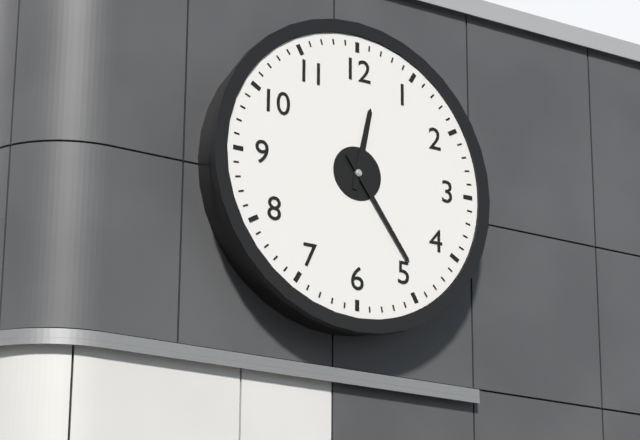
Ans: {"hour": 12, "minute": 24}
